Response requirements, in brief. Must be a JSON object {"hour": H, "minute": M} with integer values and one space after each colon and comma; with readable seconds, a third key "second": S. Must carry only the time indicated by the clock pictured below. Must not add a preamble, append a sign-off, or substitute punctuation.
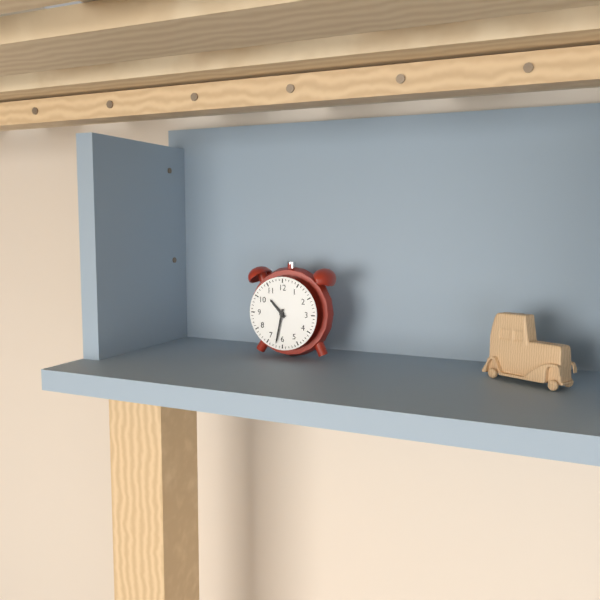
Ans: {"hour": 10, "minute": 32}
